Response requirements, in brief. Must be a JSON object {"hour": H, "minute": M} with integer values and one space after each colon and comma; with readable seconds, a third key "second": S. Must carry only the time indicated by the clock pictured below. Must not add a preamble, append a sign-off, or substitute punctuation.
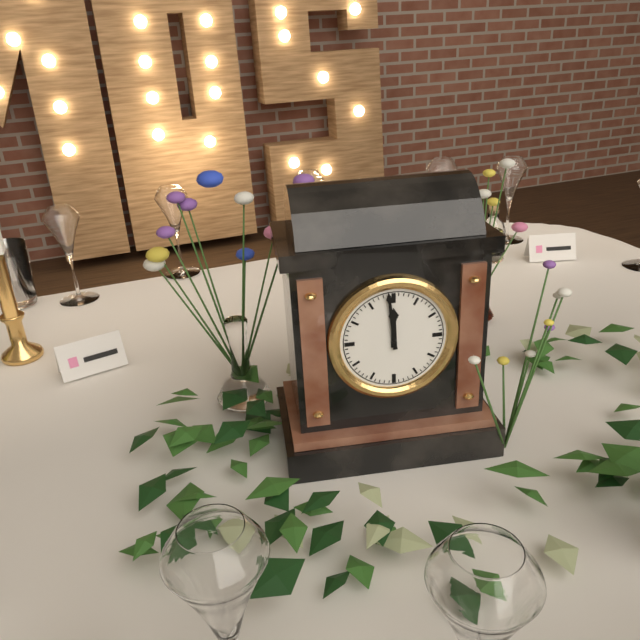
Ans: {"hour": 11, "minute": 59}
